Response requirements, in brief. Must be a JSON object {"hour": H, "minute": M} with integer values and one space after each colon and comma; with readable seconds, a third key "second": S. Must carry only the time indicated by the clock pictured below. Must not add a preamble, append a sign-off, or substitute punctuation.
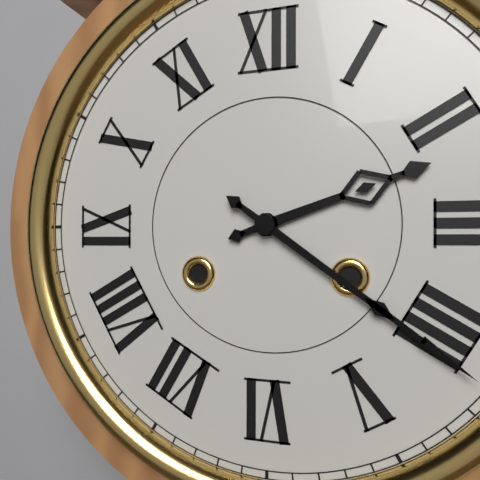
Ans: {"hour": 2, "minute": 21}
